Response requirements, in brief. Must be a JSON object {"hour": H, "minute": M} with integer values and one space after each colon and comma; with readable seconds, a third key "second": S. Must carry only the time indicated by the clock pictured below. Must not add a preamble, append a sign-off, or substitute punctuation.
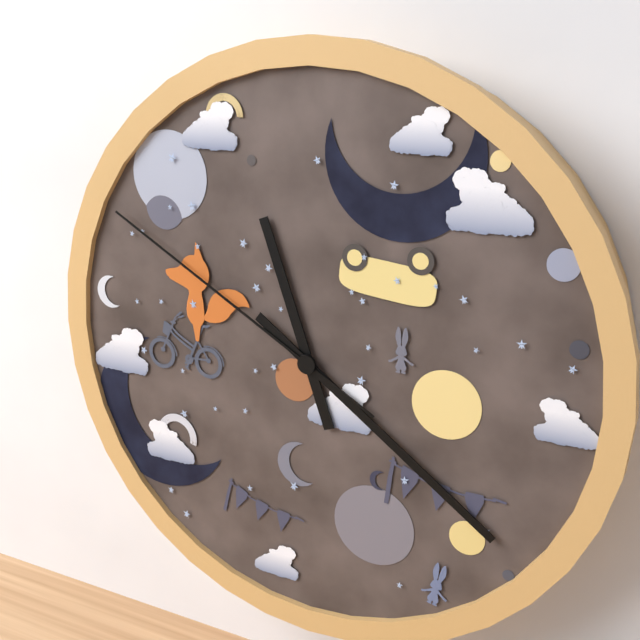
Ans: {"hour": 11, "minute": 21, "second": 50}
